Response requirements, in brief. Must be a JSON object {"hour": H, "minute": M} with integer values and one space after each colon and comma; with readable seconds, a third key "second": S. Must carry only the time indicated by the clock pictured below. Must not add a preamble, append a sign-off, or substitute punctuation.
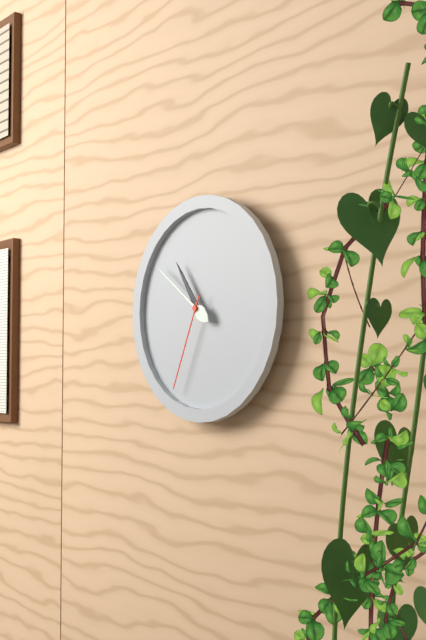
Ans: {"hour": 10, "minute": 51, "second": 34}
